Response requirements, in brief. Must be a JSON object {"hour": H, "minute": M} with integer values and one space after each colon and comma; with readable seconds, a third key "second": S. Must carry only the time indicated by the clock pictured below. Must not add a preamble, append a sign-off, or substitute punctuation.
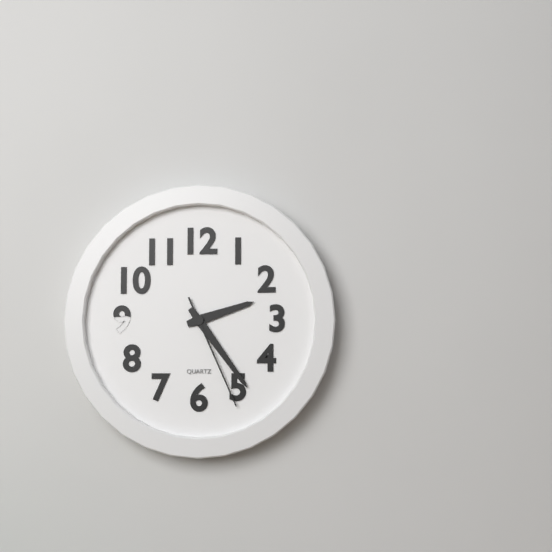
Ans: {"hour": 2, "minute": 24, "second": 26}
